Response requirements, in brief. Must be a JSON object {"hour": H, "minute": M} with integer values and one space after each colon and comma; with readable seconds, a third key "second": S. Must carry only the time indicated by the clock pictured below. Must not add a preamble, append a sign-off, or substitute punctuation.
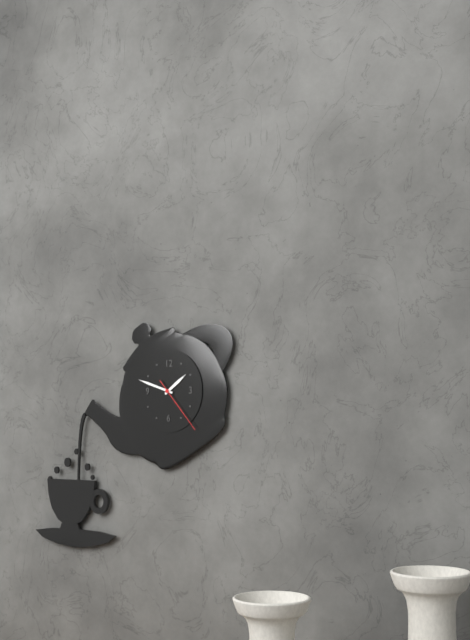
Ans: {"hour": 1, "minute": 48, "second": 23}
